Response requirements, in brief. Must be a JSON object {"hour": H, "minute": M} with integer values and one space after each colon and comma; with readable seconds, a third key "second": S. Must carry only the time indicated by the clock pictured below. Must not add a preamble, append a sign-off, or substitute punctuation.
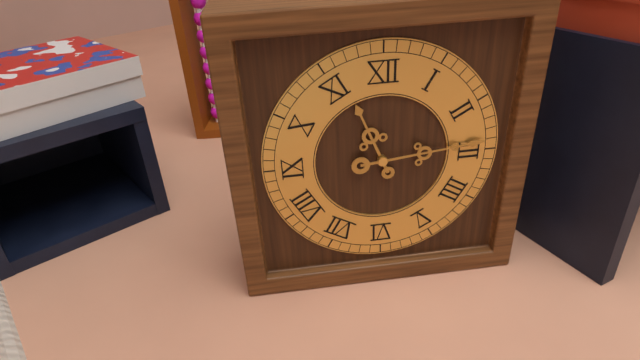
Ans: {"hour": 11, "minute": 14}
